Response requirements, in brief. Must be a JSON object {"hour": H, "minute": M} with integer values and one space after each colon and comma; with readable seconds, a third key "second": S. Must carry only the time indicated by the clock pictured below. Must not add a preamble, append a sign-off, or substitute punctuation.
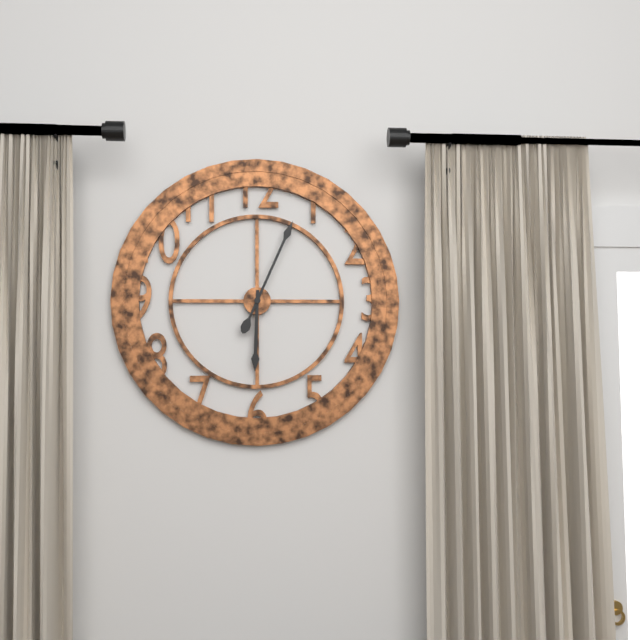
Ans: {"hour": 6, "minute": 4}
